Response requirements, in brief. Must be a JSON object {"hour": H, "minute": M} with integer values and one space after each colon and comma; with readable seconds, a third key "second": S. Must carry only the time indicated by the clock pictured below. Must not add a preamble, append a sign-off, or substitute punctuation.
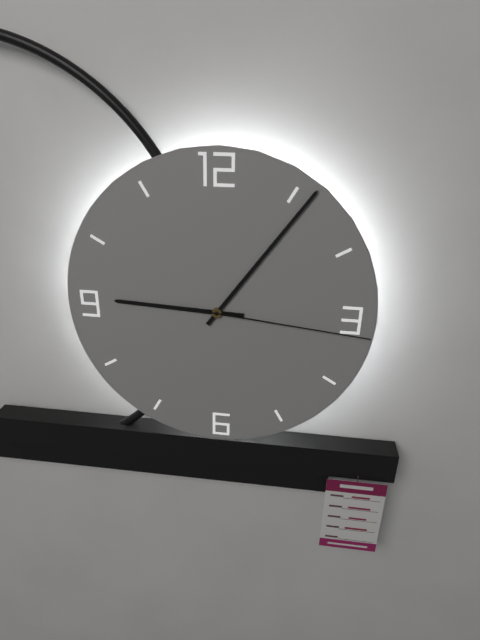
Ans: {"hour": 9, "minute": 6, "second": 16}
